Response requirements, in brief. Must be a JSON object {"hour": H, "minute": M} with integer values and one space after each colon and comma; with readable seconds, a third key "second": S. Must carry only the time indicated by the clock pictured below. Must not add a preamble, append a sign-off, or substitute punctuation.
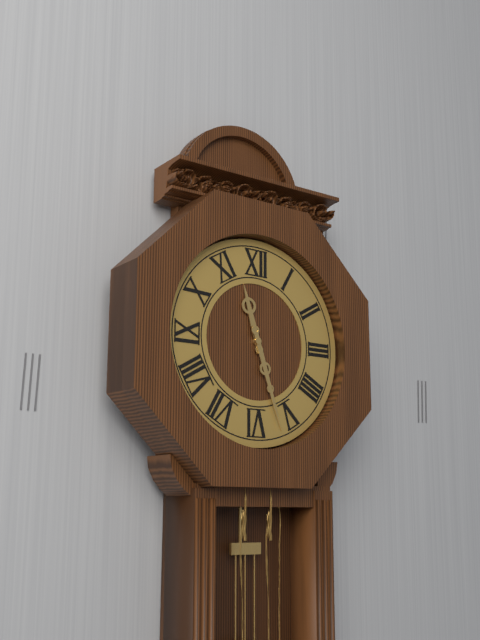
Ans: {"hour": 11, "minute": 27}
